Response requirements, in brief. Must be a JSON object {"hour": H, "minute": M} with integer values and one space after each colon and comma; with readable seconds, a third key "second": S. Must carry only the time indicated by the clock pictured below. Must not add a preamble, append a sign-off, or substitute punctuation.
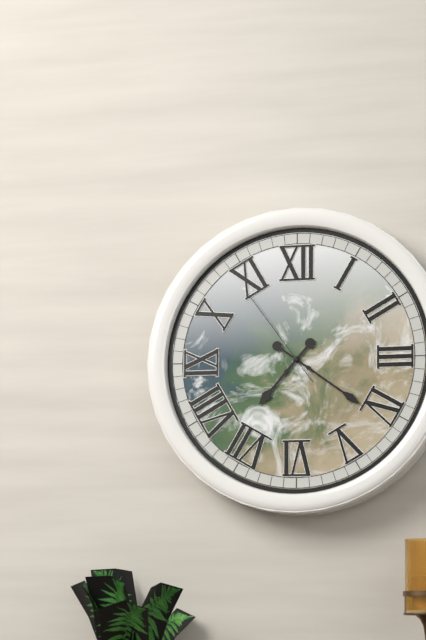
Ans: {"hour": 7, "minute": 21, "second": 54}
